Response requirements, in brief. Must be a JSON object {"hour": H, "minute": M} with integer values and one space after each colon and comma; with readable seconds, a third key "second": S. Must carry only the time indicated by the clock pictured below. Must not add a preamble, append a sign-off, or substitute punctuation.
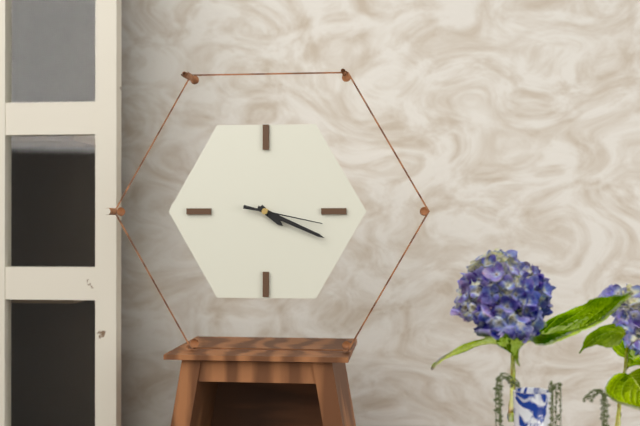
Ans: {"hour": 4, "minute": 19, "second": 17}
